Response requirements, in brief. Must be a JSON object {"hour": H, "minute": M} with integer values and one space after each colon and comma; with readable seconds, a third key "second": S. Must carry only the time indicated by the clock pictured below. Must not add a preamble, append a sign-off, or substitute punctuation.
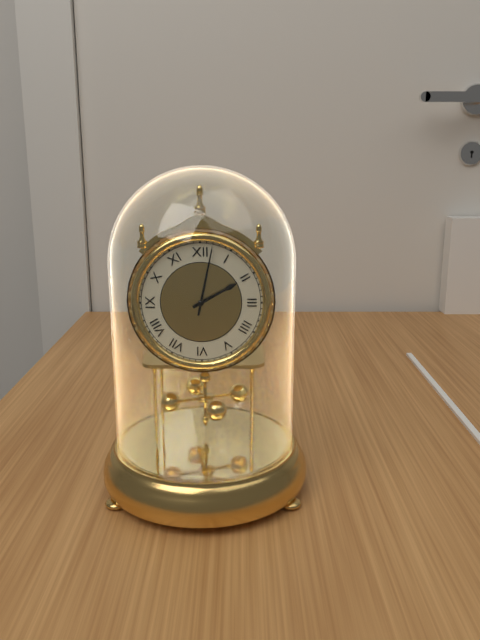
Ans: {"hour": 2, "minute": 2}
